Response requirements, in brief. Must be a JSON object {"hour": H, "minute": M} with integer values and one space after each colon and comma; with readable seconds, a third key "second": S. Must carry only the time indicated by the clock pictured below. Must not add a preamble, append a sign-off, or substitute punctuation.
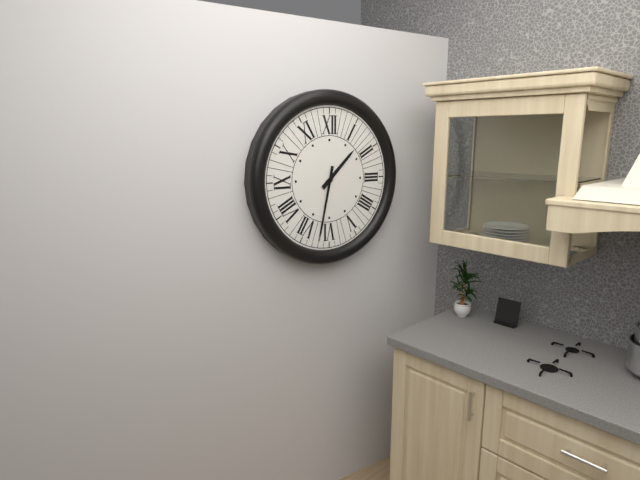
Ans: {"hour": 1, "minute": 32}
